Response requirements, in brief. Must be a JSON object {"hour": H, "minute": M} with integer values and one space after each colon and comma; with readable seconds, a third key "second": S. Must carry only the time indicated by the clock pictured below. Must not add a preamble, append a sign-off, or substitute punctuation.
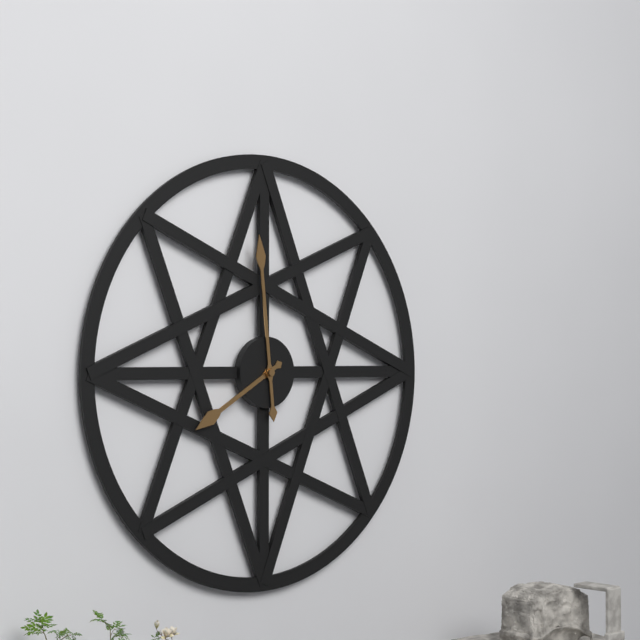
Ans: {"hour": 7, "minute": 59}
